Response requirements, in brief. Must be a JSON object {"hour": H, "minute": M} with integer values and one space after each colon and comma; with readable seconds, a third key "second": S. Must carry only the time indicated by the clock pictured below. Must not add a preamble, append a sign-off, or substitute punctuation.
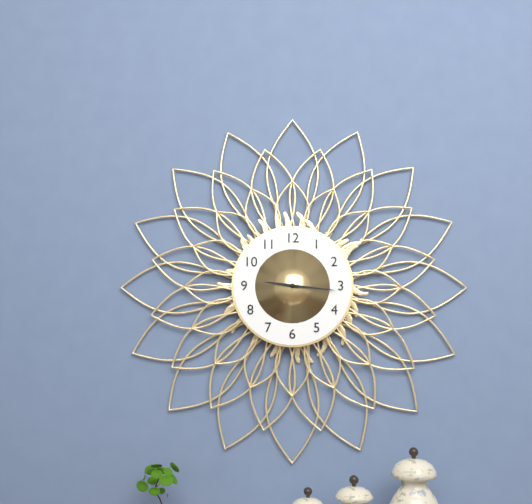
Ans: {"hour": 9, "minute": 16}
